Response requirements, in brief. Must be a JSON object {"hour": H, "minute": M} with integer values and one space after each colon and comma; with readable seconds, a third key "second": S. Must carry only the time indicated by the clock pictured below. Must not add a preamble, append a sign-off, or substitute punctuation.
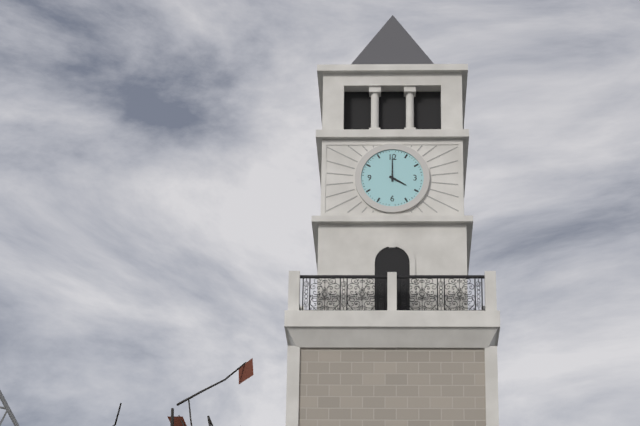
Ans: {"hour": 4, "minute": 0}
